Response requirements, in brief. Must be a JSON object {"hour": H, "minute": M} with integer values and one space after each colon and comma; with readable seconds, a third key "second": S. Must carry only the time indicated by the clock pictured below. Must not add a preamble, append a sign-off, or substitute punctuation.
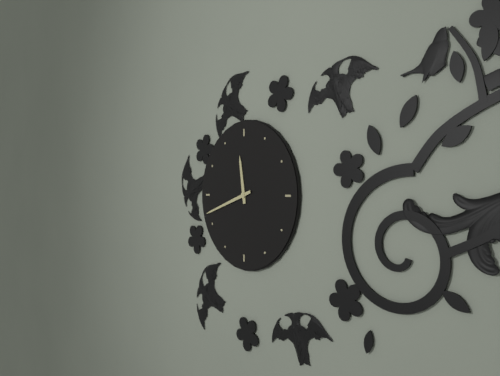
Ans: {"hour": 11, "minute": 42}
